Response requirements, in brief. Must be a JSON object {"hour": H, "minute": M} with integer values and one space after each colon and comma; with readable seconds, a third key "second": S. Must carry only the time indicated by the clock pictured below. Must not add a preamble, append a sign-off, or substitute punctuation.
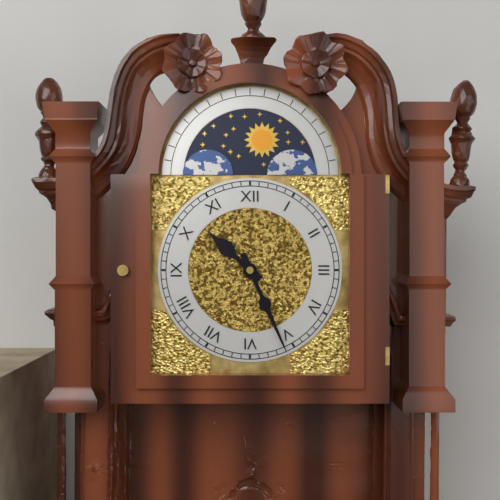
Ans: {"hour": 10, "minute": 26}
